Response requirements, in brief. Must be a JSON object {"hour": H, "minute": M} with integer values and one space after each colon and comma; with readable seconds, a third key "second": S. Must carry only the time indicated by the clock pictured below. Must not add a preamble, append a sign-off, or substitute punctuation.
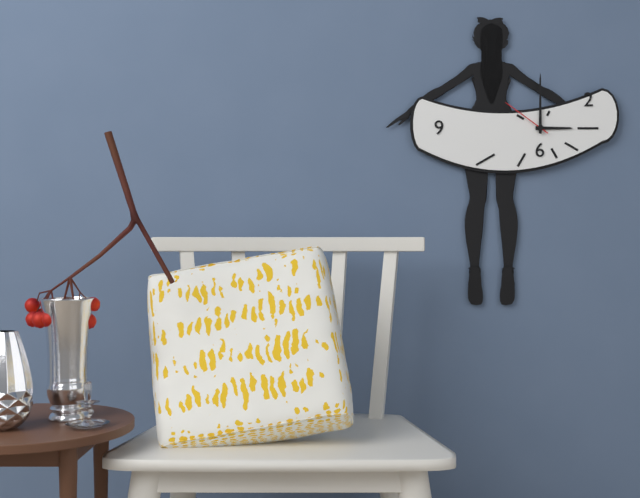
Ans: {"hour": 3, "minute": 0, "second": 51}
